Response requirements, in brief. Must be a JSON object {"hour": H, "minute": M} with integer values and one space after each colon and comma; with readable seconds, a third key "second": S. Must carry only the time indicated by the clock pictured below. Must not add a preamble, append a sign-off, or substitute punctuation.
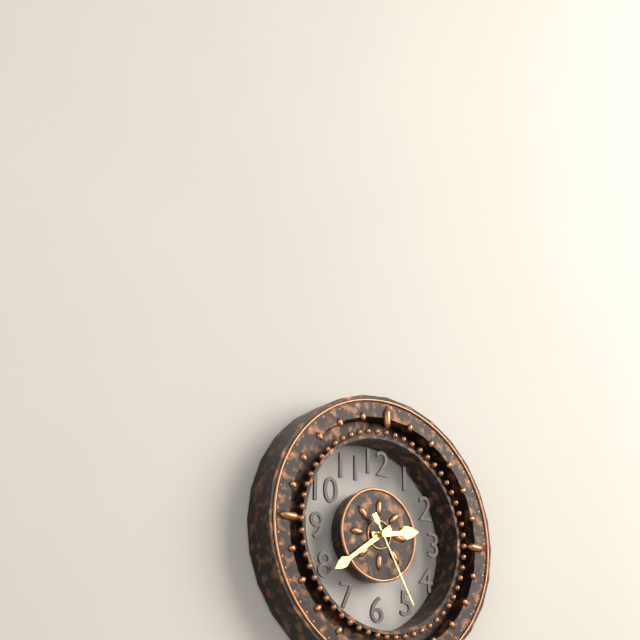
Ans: {"hour": 2, "minute": 39, "second": 25}
